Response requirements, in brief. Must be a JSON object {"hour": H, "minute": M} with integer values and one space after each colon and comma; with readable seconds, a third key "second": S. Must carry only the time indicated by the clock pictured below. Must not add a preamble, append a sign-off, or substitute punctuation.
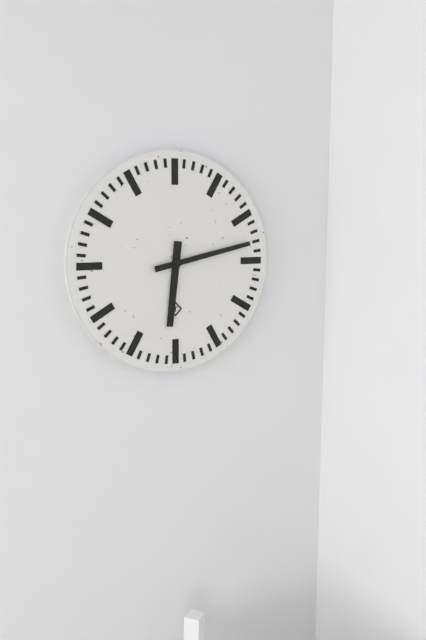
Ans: {"hour": 6, "minute": 13}
